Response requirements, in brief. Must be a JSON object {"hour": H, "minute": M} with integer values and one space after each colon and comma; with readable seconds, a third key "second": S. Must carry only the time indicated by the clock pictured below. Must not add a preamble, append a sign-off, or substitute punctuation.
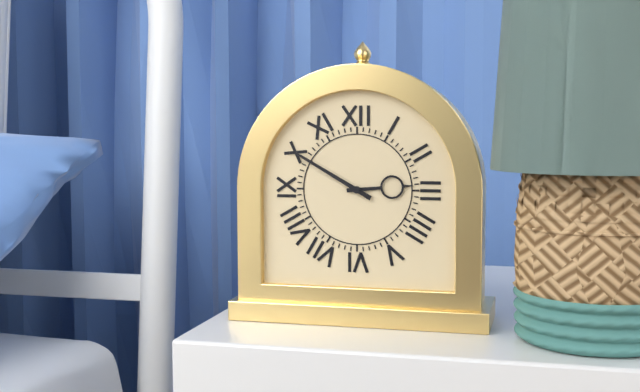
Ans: {"hour": 2, "minute": 50}
